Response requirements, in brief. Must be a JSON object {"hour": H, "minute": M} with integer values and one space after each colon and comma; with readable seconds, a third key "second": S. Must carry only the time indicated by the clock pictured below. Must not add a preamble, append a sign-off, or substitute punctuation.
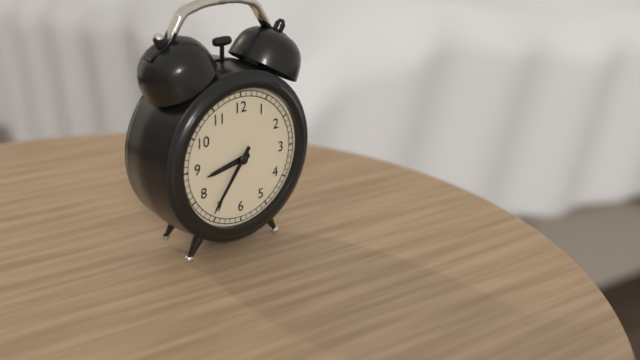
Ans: {"hour": 8, "minute": 36}
